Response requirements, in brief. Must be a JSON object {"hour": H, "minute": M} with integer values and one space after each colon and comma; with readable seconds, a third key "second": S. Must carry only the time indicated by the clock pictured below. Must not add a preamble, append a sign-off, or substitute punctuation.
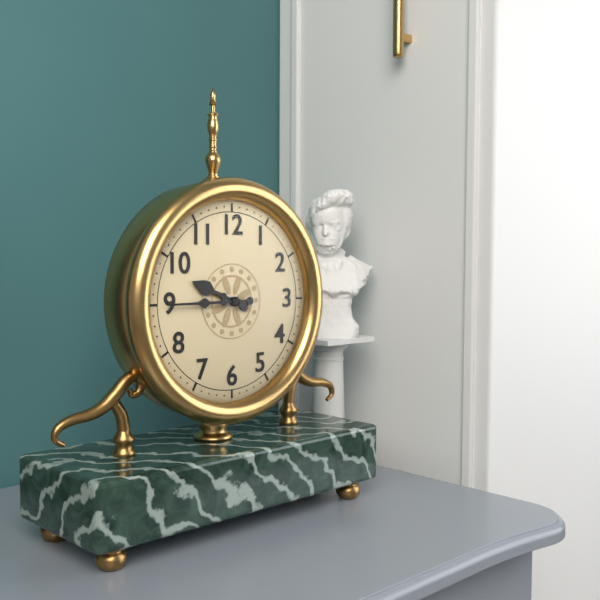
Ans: {"hour": 9, "minute": 45}
